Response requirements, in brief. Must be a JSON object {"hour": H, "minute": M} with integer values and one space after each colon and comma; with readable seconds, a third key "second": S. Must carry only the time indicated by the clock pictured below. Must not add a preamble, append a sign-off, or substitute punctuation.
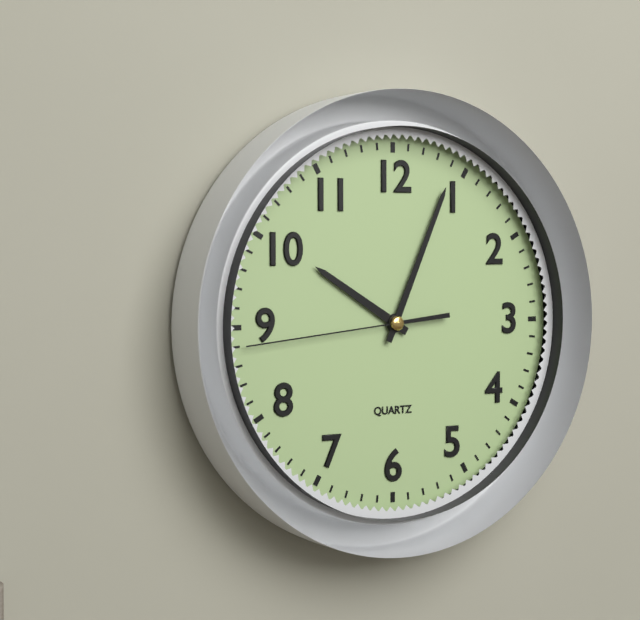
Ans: {"hour": 10, "minute": 4, "second": 44}
